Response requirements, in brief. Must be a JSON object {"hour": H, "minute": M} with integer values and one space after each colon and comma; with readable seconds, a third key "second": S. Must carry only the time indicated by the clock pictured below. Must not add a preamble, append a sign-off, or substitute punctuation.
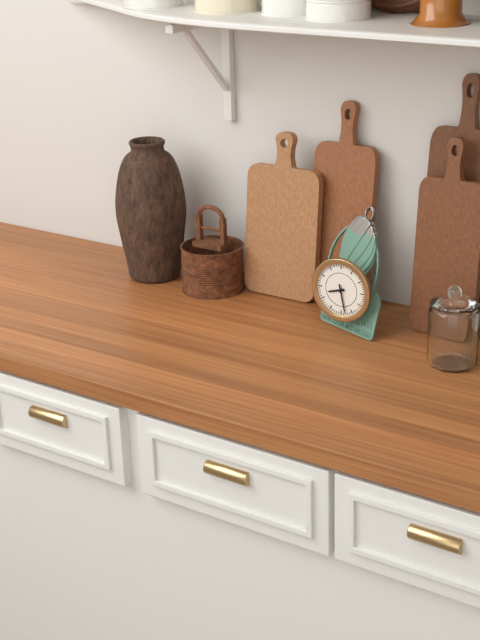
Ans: {"hour": 8, "minute": 28}
